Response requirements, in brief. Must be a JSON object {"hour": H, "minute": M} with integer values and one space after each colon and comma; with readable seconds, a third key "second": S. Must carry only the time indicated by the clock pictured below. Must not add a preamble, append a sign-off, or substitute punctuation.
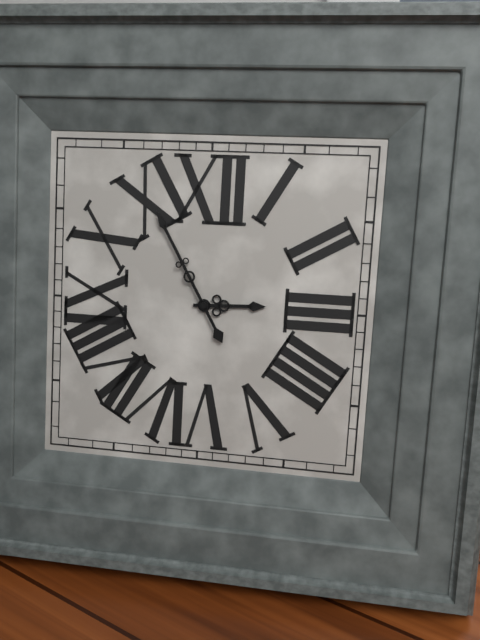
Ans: {"hour": 2, "minute": 55}
